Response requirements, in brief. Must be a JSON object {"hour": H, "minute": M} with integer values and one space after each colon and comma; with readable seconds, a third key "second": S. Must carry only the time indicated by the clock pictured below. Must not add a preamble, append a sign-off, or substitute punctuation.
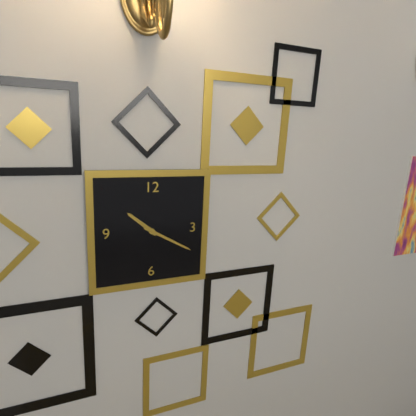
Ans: {"hour": 10, "minute": 20}
